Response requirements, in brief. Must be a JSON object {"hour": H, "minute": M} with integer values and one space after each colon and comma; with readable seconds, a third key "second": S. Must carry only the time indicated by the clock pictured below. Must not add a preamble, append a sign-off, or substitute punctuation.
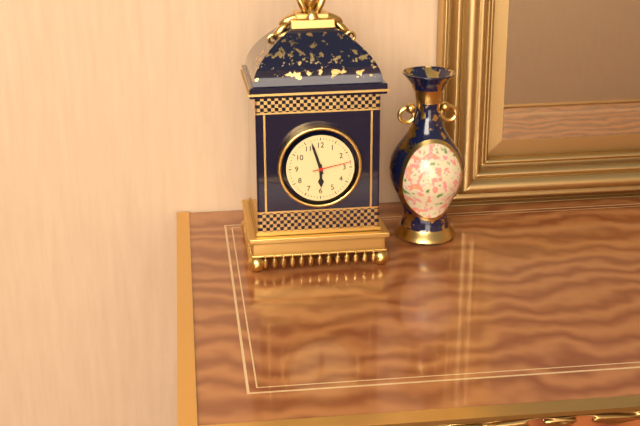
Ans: {"hour": 5, "minute": 57}
